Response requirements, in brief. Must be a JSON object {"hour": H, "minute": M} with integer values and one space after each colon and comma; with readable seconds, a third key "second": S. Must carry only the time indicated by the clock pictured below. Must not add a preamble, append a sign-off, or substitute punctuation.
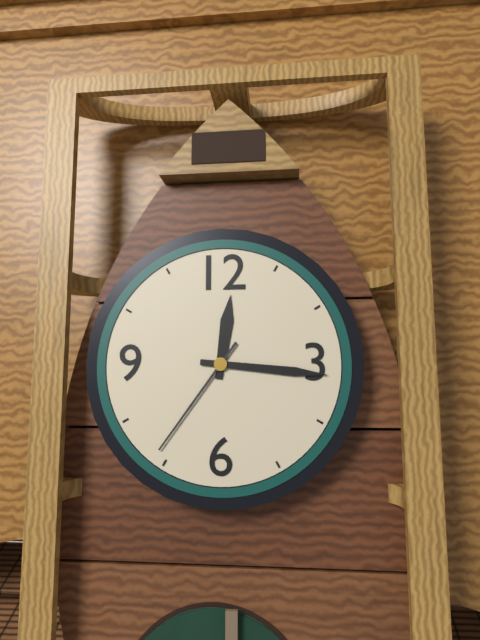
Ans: {"hour": 12, "minute": 16, "second": 36}
